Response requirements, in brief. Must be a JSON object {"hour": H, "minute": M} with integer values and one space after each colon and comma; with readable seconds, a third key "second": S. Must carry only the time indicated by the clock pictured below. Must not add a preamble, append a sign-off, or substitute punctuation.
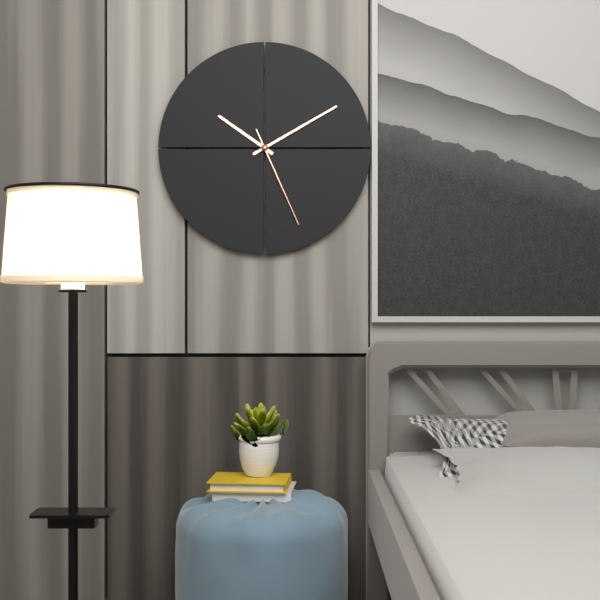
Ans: {"hour": 10, "minute": 10, "second": 26}
